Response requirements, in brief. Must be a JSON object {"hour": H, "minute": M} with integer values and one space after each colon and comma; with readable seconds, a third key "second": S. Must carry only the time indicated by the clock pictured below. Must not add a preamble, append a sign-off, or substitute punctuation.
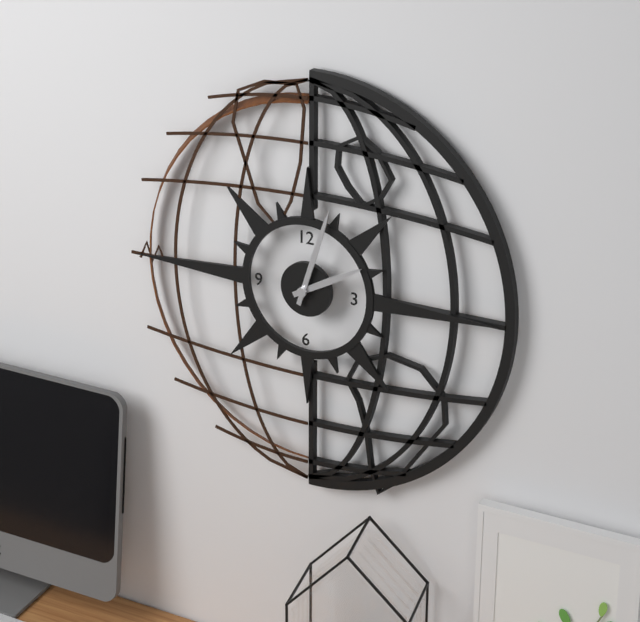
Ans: {"hour": 2, "minute": 3}
